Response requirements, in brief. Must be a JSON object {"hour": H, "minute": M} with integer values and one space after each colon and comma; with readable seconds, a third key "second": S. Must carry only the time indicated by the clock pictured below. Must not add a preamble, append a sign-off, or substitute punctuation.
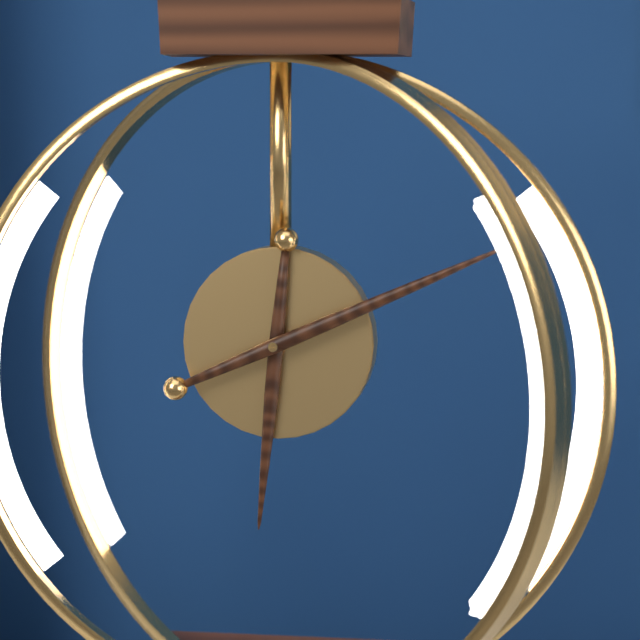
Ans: {"hour": 6, "minute": 11}
